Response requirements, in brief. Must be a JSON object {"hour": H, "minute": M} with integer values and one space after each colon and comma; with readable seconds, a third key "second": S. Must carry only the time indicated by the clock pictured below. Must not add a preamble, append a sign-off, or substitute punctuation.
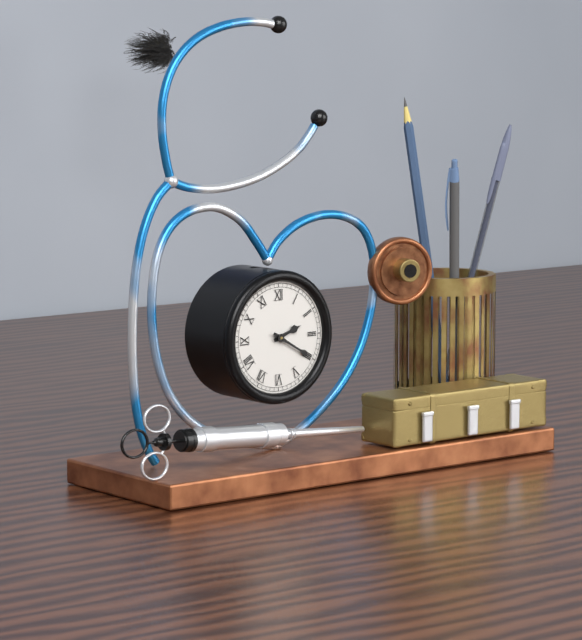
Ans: {"hour": 2, "minute": 20}
